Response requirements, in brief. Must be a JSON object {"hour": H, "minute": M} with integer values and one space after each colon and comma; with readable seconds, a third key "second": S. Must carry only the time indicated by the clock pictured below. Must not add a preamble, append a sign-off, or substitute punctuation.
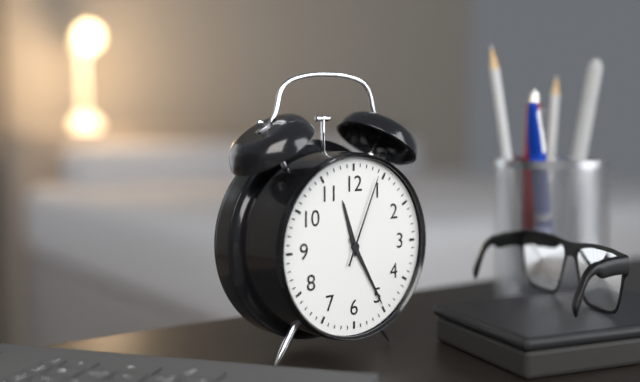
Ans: {"hour": 11, "minute": 25, "second": 4}
